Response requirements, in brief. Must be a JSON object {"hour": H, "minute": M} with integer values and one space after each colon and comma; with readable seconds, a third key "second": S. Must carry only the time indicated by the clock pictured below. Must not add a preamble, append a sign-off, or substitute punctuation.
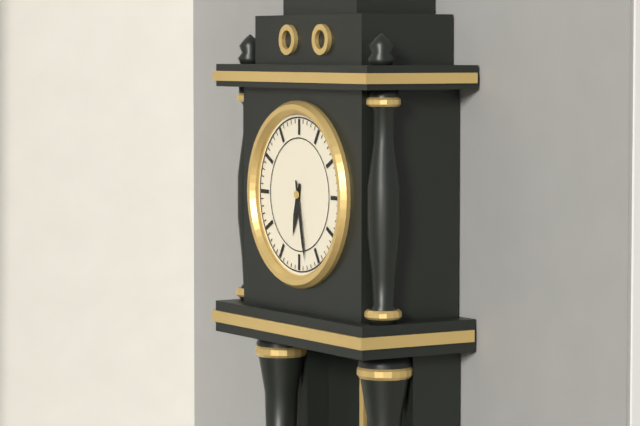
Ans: {"hour": 6, "minute": 28}
